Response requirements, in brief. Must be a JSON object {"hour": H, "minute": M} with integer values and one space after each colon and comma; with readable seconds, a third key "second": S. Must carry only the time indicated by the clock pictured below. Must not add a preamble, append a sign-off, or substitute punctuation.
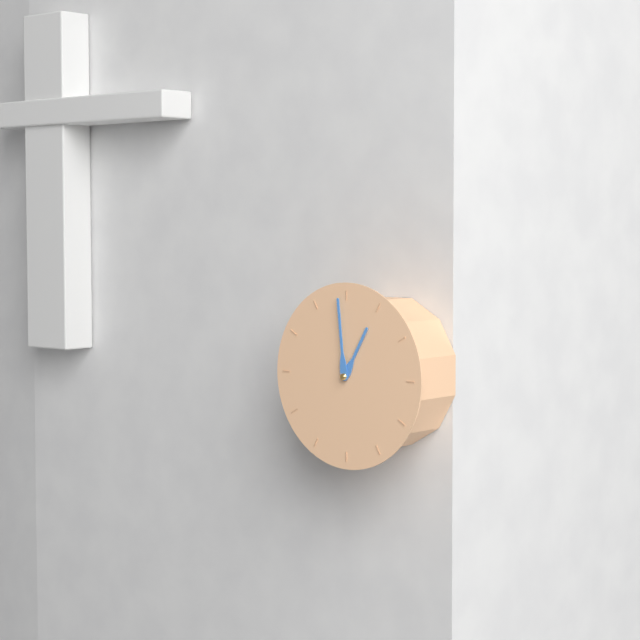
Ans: {"hour": 12, "minute": 59}
